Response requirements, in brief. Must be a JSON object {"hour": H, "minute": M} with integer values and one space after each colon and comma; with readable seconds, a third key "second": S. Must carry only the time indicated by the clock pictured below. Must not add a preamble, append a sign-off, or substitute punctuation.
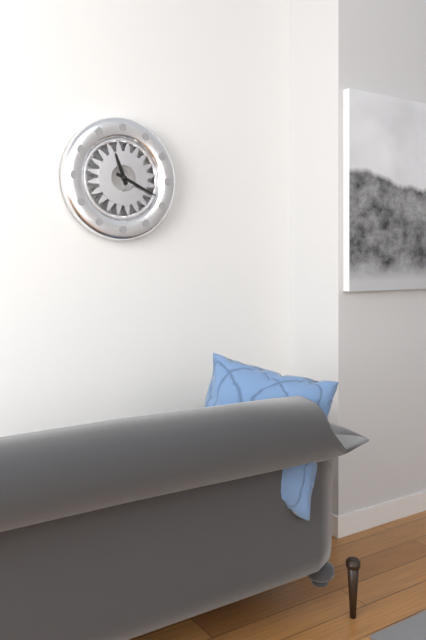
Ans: {"hour": 11, "minute": 19}
